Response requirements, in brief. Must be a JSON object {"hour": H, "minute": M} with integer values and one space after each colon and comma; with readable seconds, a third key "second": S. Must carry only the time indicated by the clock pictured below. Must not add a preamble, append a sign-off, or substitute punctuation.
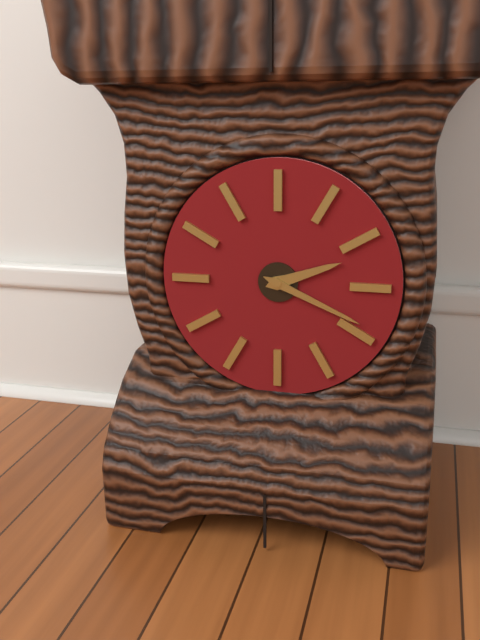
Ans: {"hour": 2, "minute": 19}
